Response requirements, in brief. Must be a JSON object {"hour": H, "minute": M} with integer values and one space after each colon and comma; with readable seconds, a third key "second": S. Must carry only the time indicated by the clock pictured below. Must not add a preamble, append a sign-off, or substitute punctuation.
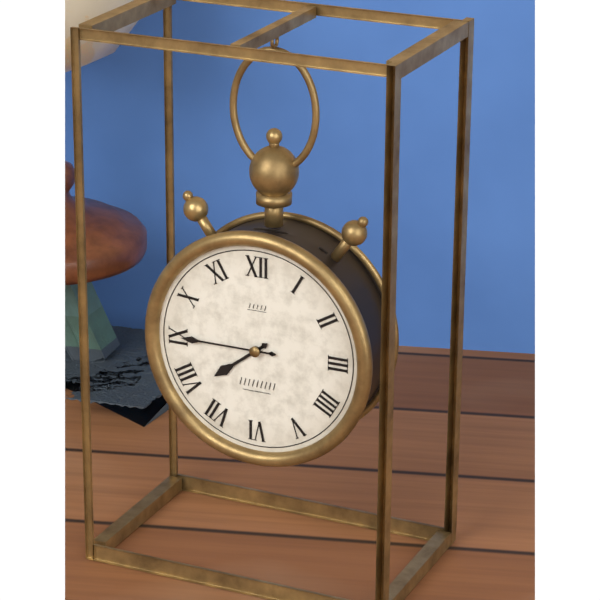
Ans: {"hour": 7, "minute": 45}
